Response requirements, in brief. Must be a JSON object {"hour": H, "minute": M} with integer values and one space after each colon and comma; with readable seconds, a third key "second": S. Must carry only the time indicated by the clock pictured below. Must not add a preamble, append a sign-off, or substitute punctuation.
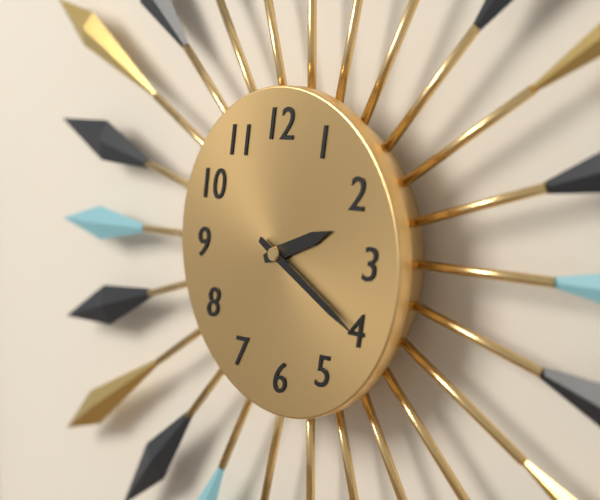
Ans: {"hour": 2, "minute": 20}
